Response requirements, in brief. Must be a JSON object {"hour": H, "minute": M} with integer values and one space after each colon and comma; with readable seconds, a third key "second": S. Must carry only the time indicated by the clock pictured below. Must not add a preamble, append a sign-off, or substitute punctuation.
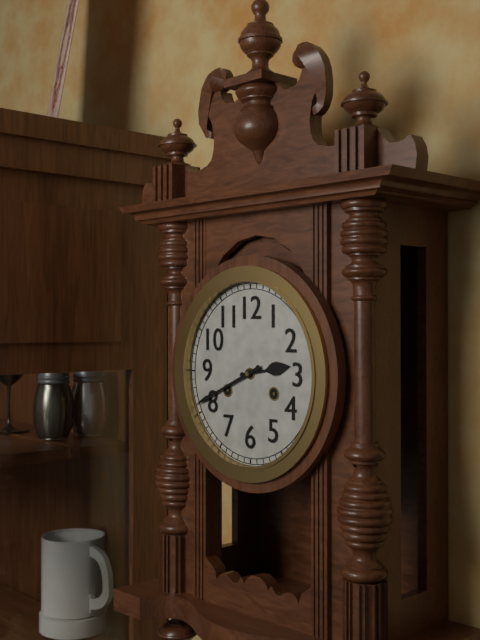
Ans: {"hour": 2, "minute": 41}
